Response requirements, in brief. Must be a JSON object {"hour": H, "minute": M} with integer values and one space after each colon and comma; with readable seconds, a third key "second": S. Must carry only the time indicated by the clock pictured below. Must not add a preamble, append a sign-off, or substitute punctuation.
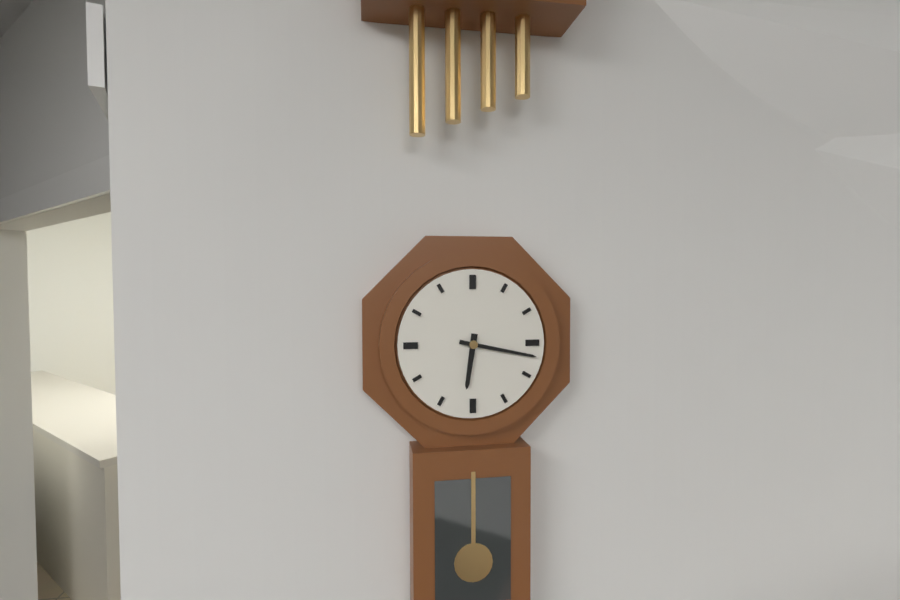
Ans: {"hour": 6, "minute": 17}
